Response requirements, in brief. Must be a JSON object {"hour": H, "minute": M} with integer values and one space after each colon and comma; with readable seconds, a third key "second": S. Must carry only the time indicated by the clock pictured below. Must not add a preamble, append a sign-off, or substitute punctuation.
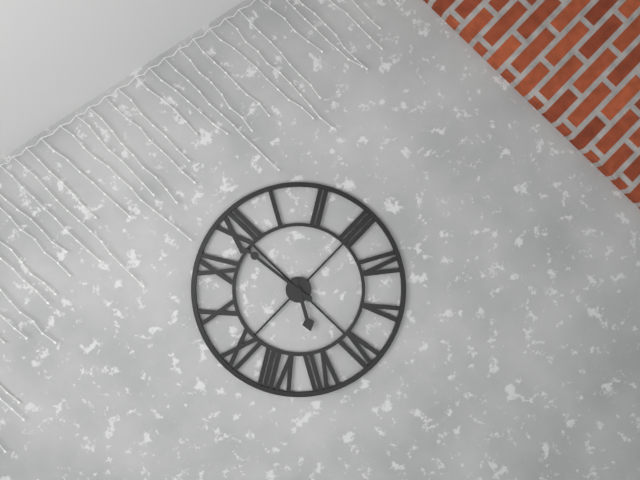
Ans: {"hour": 6, "minute": 59}
